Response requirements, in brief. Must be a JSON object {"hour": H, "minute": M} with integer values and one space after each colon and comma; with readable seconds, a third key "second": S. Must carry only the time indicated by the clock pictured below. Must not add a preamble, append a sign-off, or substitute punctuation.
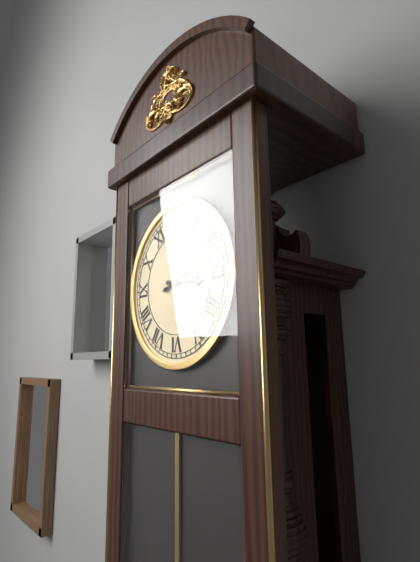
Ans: {"hour": 3, "minute": 12}
